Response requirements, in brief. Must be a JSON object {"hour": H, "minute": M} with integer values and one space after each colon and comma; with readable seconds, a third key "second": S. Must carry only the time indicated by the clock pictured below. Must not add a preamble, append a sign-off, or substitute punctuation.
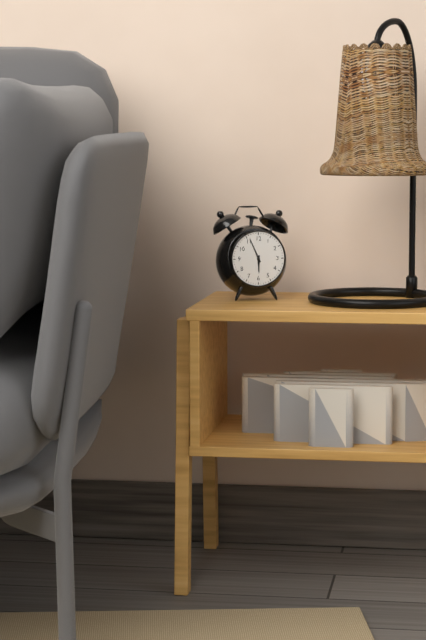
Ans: {"hour": 5, "minute": 56}
